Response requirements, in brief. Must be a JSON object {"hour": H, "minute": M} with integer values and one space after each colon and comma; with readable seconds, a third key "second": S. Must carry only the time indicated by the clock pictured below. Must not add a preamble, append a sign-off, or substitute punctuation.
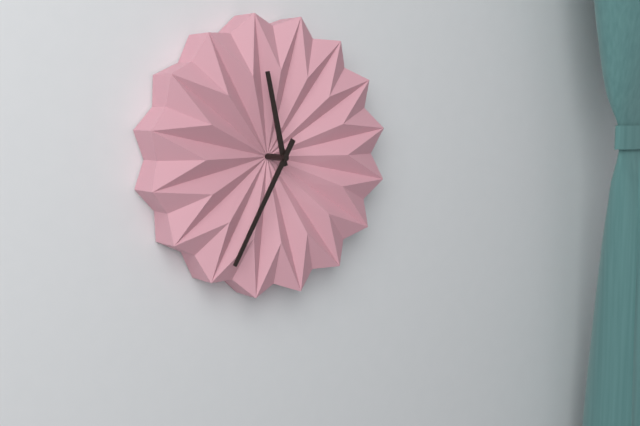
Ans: {"hour": 11, "minute": 35}
